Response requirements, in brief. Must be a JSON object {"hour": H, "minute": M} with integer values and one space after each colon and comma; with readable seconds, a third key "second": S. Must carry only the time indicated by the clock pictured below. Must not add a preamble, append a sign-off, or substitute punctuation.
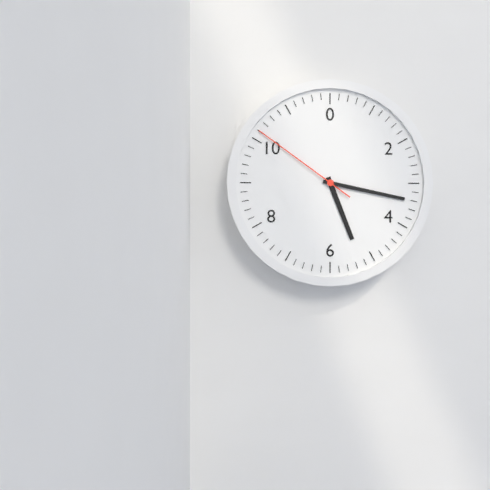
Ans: {"hour": 5, "minute": 17, "second": 51}
